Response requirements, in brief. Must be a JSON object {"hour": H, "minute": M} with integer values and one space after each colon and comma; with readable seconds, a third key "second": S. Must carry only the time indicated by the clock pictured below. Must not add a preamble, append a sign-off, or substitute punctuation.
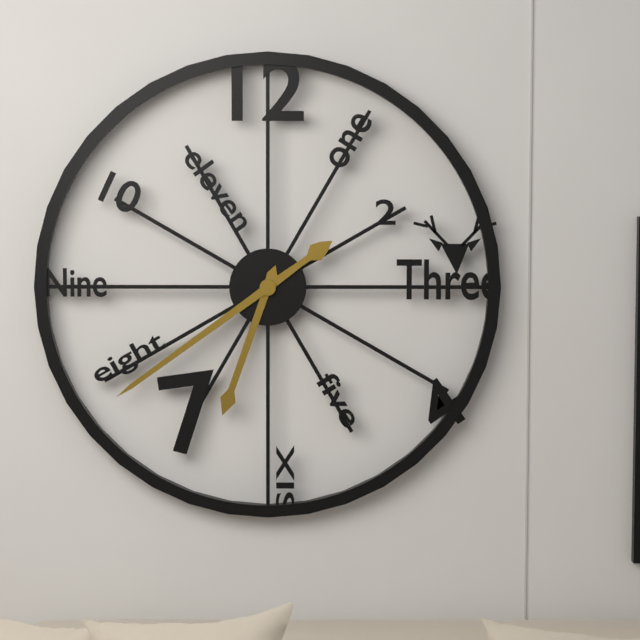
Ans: {"hour": 6, "minute": 39}
